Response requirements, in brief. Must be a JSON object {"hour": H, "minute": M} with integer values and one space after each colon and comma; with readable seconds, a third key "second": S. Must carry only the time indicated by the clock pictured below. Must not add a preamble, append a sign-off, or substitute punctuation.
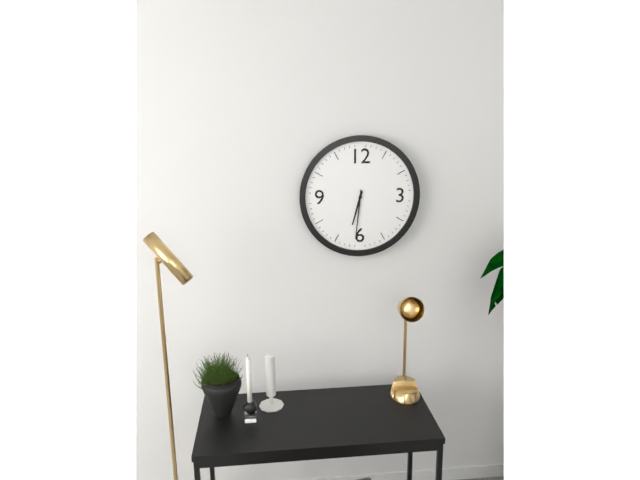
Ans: {"hour": 6, "minute": 31}
